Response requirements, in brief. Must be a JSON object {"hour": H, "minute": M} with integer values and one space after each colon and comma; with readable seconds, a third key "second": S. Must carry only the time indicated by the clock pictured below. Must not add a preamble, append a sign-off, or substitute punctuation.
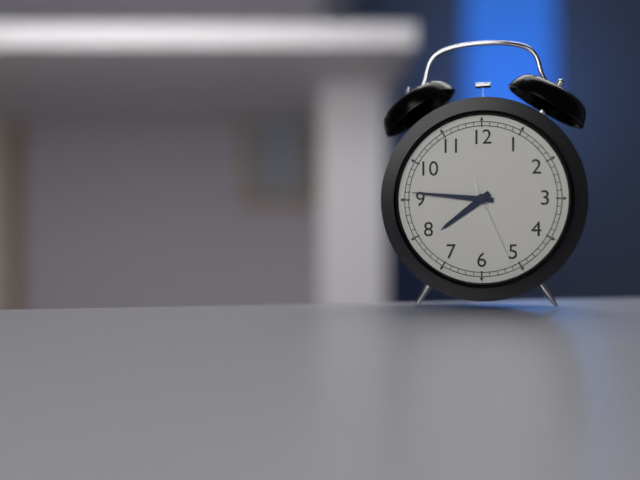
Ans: {"hour": 7, "minute": 46, "second": 26}
